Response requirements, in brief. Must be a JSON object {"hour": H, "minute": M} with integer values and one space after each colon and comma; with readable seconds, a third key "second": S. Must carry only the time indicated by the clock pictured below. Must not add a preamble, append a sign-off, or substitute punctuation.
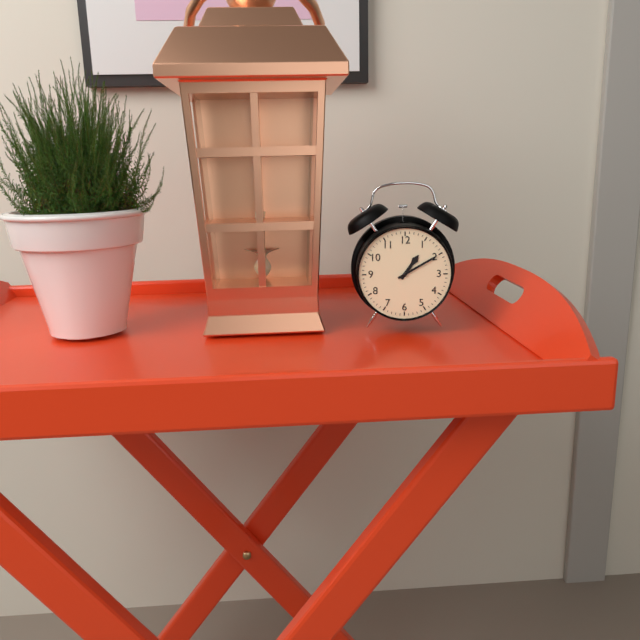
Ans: {"hour": 1, "minute": 10}
